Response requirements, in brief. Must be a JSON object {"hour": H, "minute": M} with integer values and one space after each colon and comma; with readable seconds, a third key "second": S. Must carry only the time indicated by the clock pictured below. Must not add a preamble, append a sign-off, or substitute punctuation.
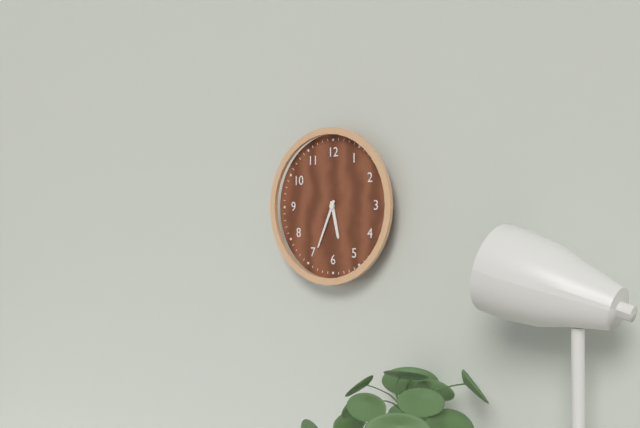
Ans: {"hour": 5, "minute": 34}
